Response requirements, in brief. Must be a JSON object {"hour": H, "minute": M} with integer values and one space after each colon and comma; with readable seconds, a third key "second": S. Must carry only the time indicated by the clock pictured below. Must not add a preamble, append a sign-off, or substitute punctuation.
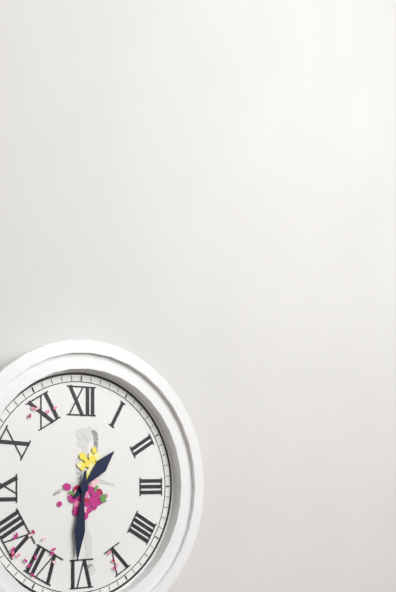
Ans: {"hour": 1, "minute": 31}
